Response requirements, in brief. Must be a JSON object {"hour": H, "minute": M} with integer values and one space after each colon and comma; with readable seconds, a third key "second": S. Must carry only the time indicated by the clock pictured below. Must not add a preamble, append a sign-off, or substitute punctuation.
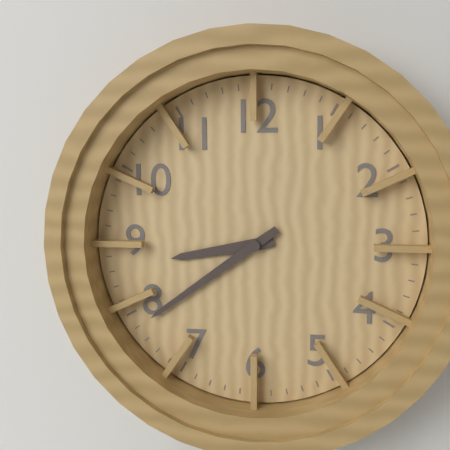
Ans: {"hour": 8, "minute": 39}
